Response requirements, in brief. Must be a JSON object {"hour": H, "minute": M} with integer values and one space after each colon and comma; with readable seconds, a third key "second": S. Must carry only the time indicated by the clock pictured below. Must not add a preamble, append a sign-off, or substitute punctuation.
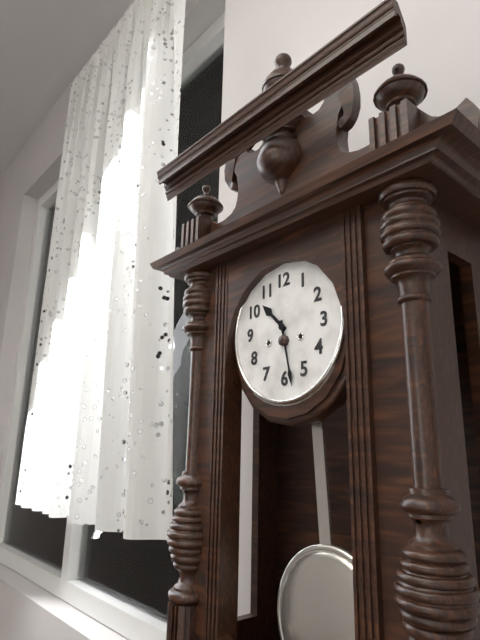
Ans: {"hour": 10, "minute": 28}
